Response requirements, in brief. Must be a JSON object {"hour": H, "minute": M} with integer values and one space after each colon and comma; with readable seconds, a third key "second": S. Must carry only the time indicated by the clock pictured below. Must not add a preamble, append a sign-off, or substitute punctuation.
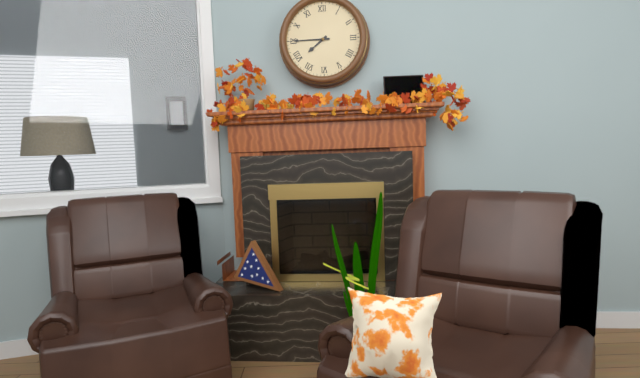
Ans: {"hour": 7, "minute": 45}
